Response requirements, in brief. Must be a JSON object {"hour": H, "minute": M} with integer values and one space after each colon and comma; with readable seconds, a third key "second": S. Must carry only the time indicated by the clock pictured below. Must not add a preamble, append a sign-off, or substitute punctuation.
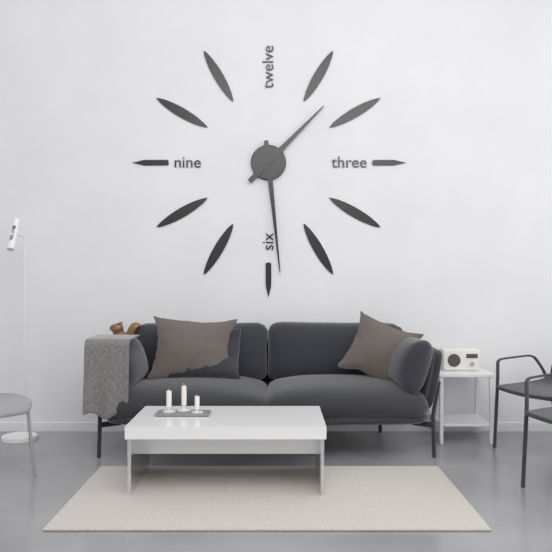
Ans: {"hour": 1, "minute": 29}
